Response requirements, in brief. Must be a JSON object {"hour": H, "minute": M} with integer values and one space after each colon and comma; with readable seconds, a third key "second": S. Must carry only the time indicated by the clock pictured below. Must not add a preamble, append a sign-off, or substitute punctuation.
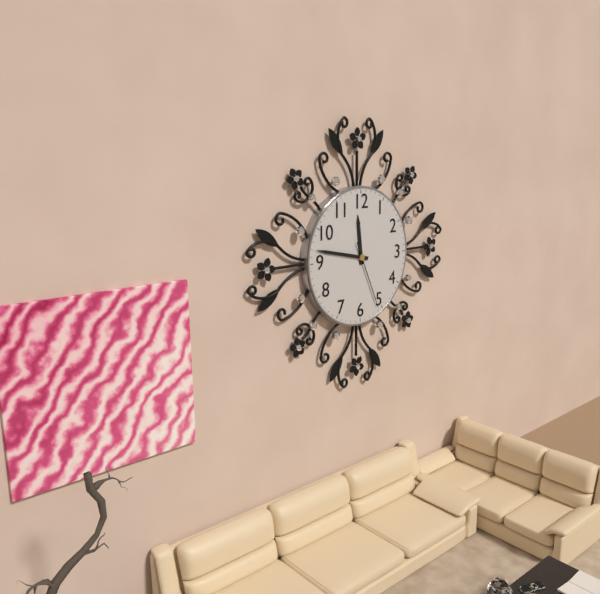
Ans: {"hour": 11, "minute": 47, "second": 26}
